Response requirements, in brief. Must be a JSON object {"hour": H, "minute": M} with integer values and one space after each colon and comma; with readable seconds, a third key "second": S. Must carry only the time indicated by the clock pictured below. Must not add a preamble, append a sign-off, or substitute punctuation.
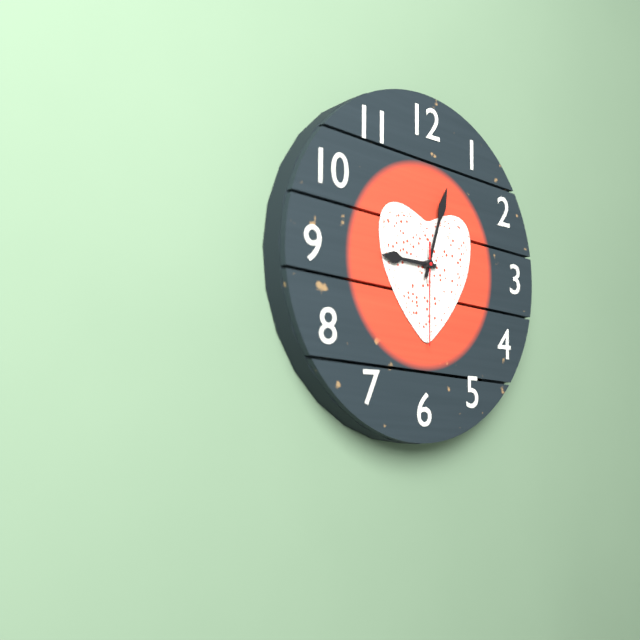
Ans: {"hour": 9, "minute": 3, "second": 30}
